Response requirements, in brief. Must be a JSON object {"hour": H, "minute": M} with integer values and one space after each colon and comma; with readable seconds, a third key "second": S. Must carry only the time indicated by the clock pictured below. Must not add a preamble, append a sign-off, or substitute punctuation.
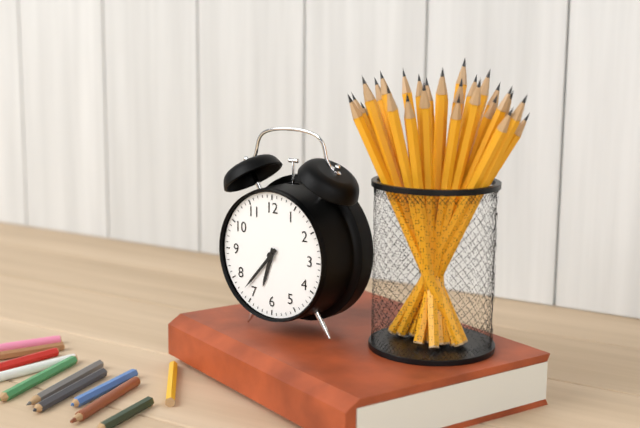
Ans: {"hour": 6, "minute": 37}
